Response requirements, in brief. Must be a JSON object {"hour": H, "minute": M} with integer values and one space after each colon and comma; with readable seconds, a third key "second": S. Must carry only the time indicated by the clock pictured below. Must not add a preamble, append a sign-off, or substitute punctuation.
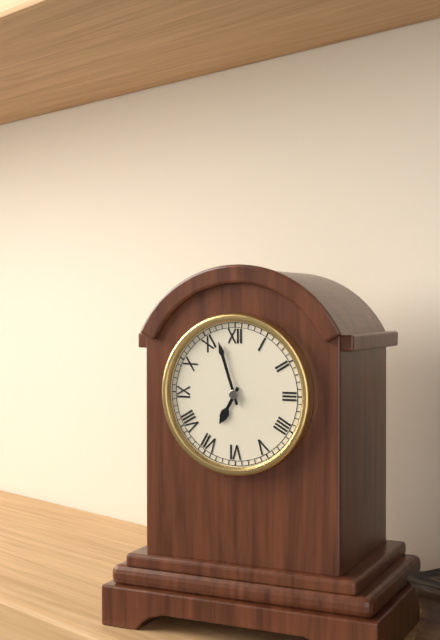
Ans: {"hour": 6, "minute": 57}
